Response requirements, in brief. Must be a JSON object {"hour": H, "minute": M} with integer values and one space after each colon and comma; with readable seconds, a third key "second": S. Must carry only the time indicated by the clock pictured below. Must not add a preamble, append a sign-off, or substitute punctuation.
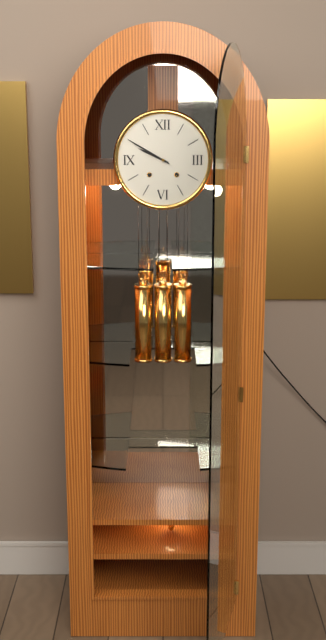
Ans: {"hour": 9, "minute": 50}
